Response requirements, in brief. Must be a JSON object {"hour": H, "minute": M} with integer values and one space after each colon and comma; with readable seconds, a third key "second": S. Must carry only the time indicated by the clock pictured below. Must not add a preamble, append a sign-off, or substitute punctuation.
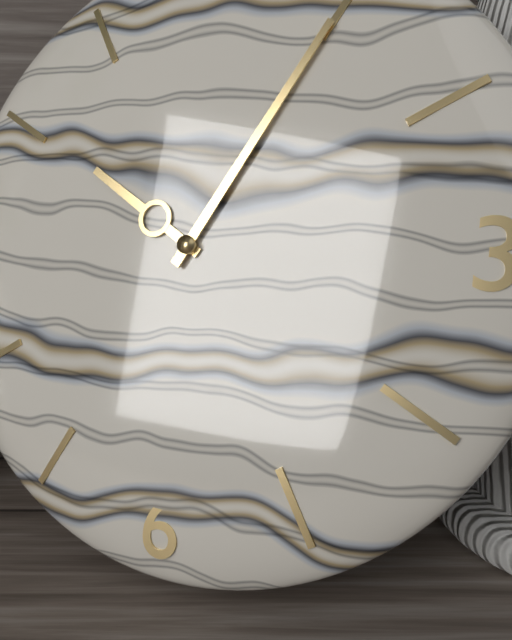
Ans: {"hour": 10, "minute": 5}
